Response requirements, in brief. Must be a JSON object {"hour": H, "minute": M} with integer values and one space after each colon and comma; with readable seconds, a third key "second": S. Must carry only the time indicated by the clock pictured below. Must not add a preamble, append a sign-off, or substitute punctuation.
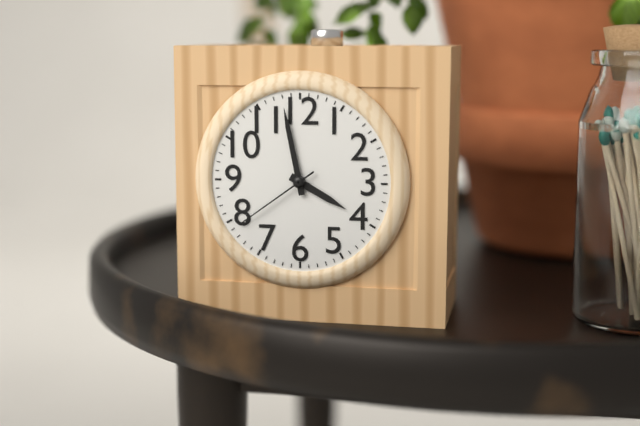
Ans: {"hour": 3, "minute": 58, "second": 39}
